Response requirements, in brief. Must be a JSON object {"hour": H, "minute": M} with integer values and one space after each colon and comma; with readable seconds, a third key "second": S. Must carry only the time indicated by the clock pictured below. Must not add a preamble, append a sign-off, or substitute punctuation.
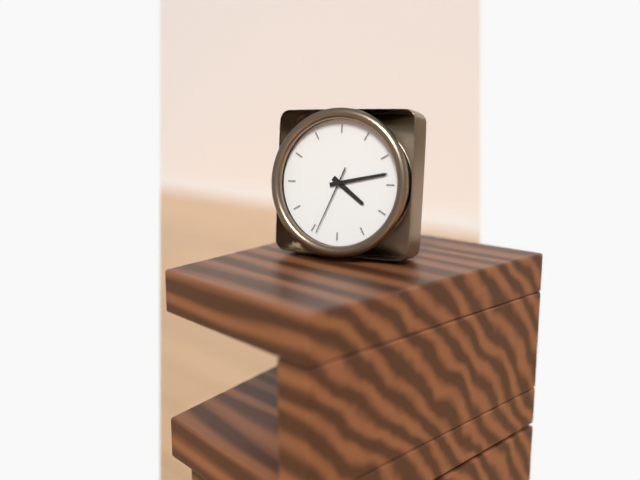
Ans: {"hour": 4, "minute": 13, "second": 34}
